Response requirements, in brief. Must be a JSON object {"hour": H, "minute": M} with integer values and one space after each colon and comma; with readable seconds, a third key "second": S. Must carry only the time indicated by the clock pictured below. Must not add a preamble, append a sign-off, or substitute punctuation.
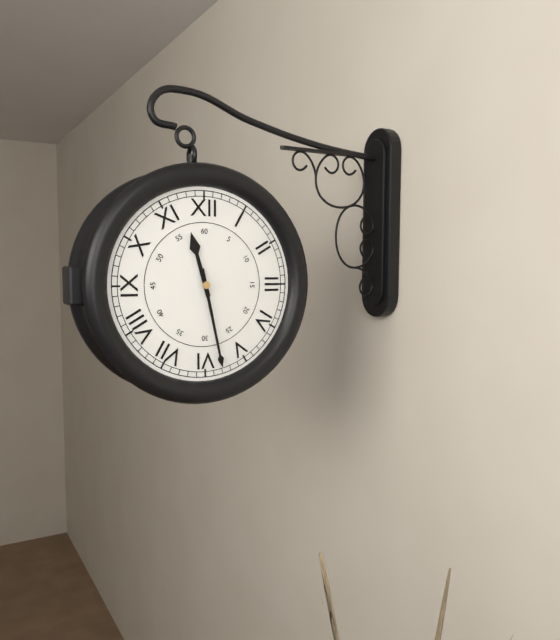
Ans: {"hour": 11, "minute": 28}
